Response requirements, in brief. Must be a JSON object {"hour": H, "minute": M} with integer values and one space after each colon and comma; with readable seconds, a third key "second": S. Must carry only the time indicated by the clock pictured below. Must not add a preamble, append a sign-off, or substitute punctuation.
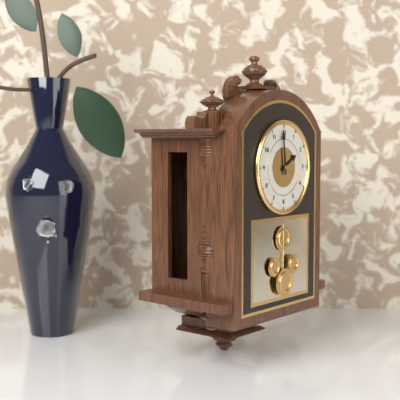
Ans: {"hour": 1, "minute": 59}
